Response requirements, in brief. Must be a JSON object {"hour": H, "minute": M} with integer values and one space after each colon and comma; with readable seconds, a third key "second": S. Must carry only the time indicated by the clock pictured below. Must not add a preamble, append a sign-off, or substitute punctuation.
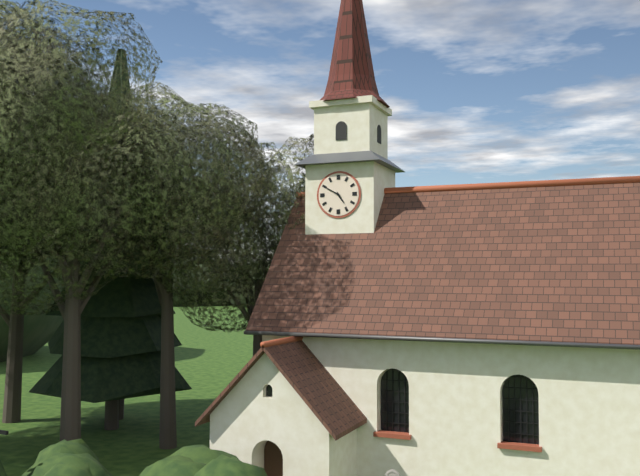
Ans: {"hour": 4, "minute": 50}
